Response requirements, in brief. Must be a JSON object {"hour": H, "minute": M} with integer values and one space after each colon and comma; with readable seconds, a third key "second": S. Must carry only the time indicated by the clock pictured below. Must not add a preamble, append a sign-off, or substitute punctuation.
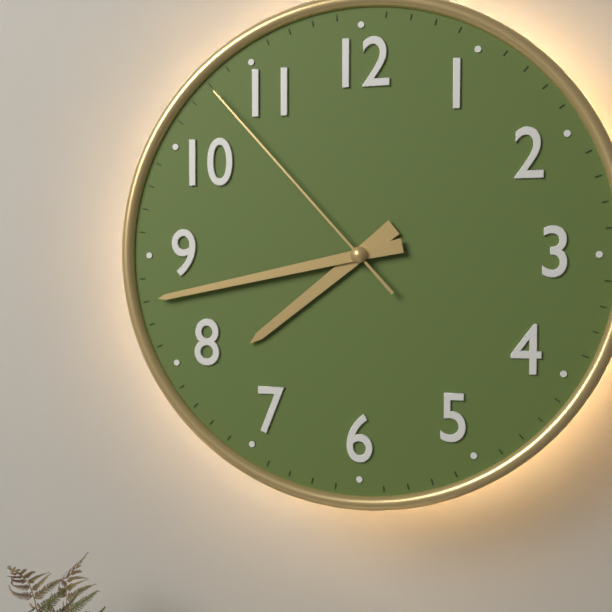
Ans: {"hour": 7, "minute": 43, "second": 53}
